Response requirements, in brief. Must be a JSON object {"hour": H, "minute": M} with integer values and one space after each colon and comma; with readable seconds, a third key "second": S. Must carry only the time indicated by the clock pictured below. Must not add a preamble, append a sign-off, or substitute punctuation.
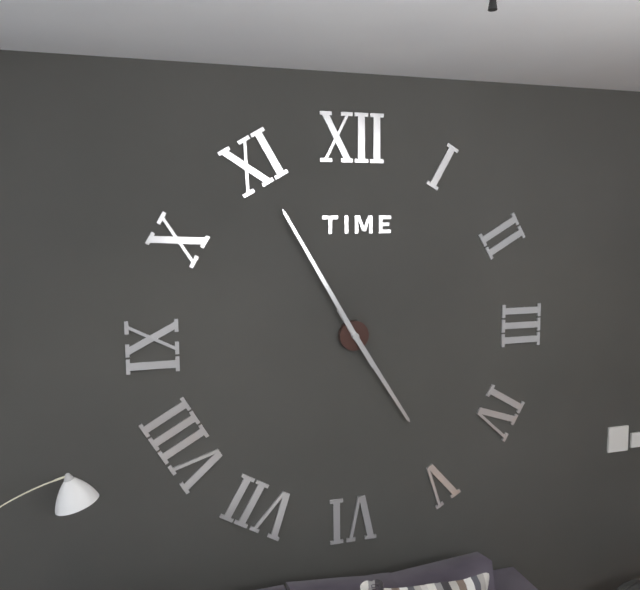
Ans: {"hour": 4, "minute": 55}
